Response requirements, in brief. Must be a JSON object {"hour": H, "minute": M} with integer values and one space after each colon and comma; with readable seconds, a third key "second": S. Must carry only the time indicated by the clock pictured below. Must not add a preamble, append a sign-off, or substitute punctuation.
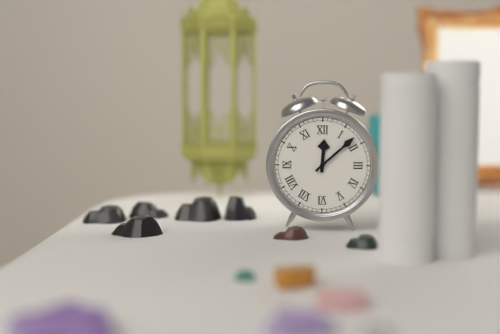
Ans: {"hour": 12, "minute": 8}
